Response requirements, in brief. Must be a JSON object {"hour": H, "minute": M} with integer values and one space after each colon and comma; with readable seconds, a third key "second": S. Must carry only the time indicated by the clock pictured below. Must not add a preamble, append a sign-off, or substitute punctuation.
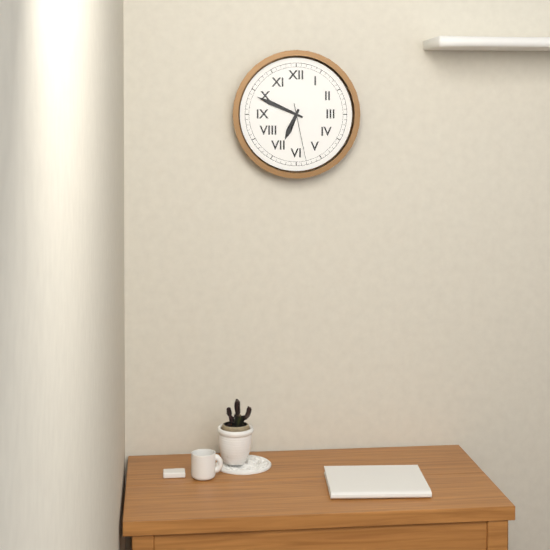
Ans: {"hour": 6, "minute": 49, "second": 28}
